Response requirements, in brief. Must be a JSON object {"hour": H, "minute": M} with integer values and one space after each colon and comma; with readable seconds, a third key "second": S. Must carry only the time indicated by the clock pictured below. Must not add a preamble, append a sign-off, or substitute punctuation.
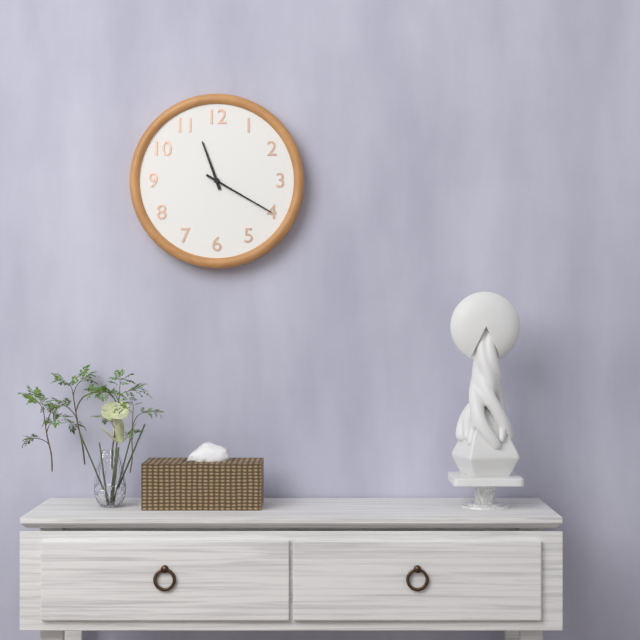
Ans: {"hour": 11, "minute": 20}
